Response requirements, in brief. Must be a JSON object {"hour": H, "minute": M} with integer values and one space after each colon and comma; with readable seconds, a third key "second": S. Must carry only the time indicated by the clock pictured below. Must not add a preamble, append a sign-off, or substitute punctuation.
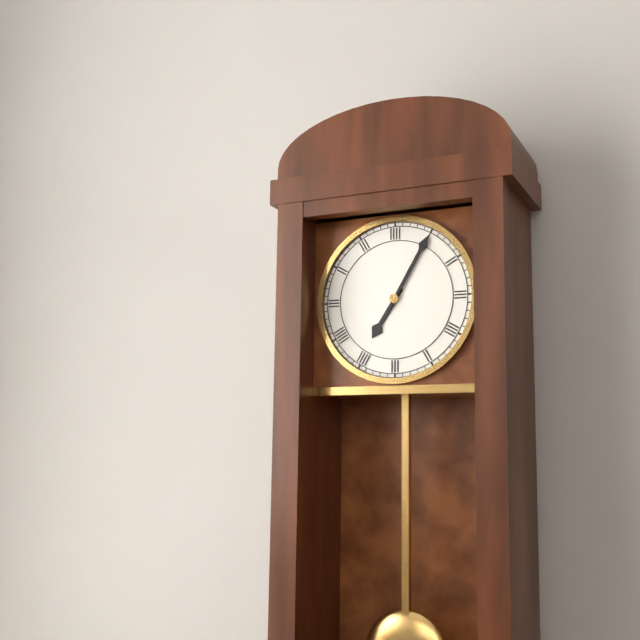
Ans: {"hour": 7, "minute": 5}
